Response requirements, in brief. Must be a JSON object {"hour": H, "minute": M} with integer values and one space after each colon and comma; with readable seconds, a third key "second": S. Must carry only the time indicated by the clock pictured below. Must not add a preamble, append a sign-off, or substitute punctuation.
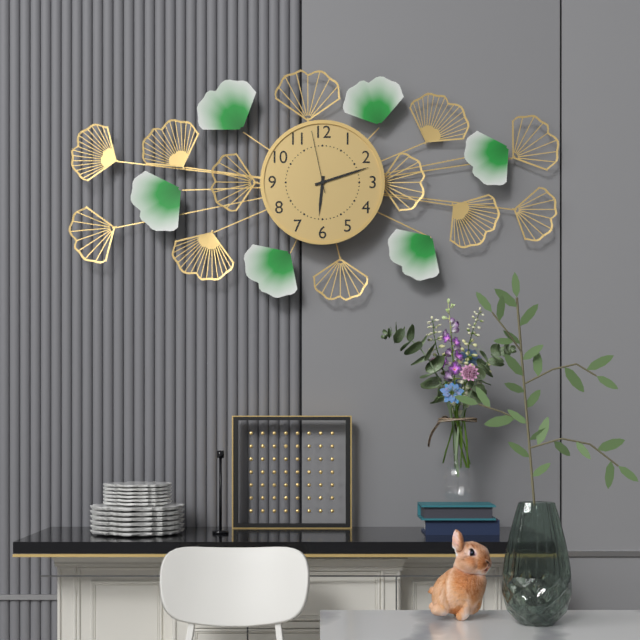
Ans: {"hour": 6, "minute": 12, "second": 58}
